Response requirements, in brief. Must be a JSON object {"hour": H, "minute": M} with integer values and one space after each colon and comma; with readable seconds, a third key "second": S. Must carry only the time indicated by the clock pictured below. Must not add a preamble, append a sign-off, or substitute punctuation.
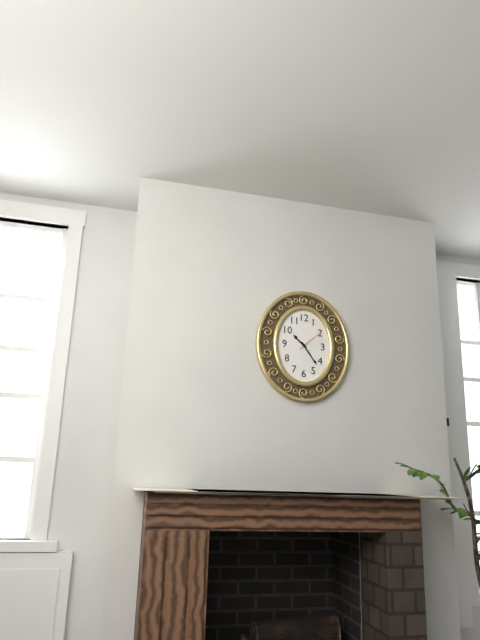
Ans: {"hour": 10, "minute": 24}
